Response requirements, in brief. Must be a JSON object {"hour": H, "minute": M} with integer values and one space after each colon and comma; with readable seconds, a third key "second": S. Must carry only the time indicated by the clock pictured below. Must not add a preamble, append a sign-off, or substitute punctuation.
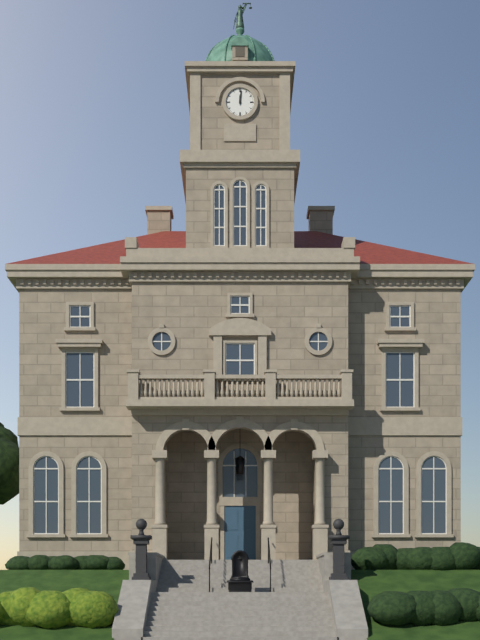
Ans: {"hour": 12, "minute": 1}
